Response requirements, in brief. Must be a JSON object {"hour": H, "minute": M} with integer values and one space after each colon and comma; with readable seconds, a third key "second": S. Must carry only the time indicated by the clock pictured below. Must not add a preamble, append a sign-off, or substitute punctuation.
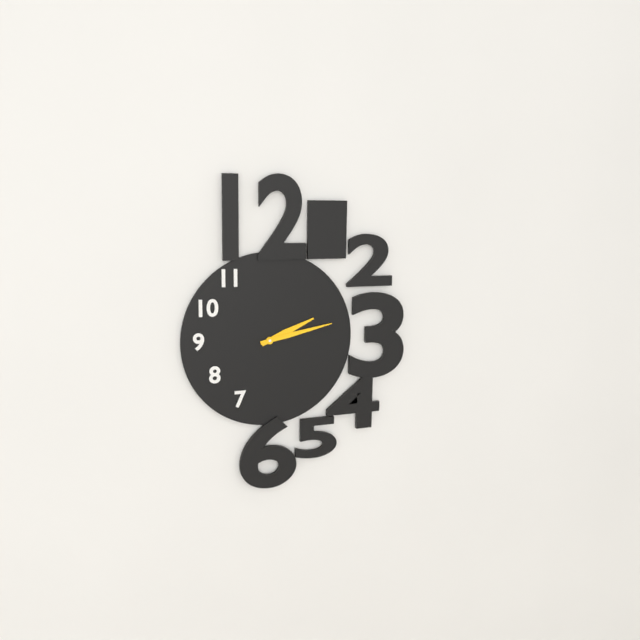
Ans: {"hour": 2, "minute": 13}
